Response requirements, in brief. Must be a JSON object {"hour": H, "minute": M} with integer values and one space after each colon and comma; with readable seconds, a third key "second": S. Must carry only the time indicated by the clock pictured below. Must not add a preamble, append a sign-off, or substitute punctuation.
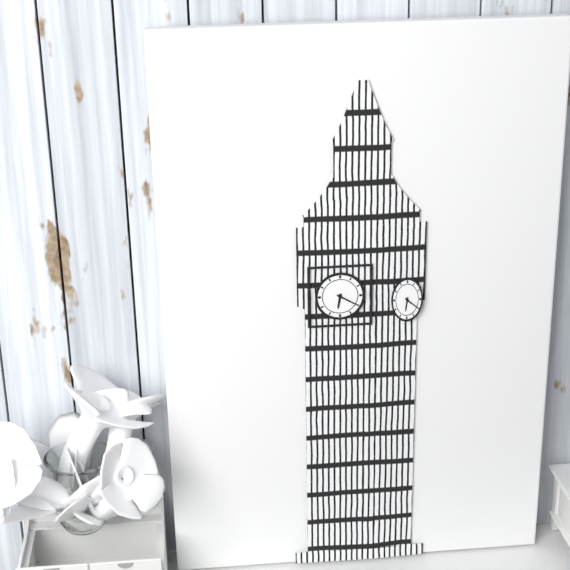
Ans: {"hour": 6, "minute": 20}
